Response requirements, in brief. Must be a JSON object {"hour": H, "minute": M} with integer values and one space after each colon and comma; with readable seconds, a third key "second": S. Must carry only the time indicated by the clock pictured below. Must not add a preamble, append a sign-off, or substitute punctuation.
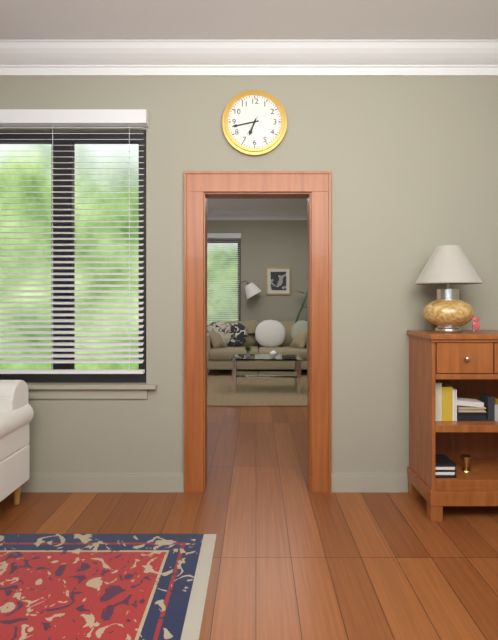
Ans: {"hour": 6, "minute": 43}
